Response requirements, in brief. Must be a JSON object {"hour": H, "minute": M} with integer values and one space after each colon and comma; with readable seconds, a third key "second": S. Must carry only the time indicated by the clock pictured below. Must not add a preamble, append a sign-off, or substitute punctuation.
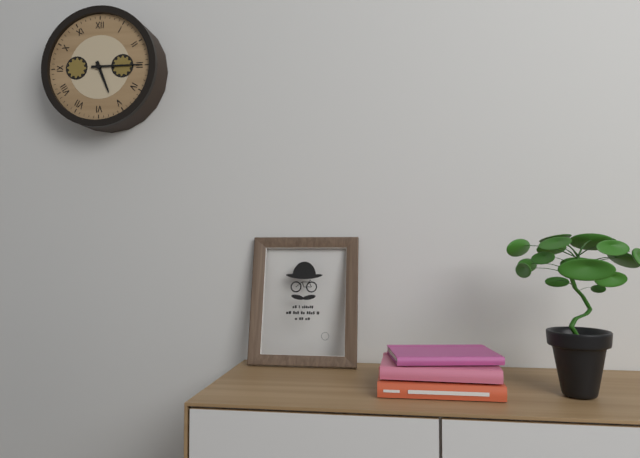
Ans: {"hour": 5, "minute": 15}
